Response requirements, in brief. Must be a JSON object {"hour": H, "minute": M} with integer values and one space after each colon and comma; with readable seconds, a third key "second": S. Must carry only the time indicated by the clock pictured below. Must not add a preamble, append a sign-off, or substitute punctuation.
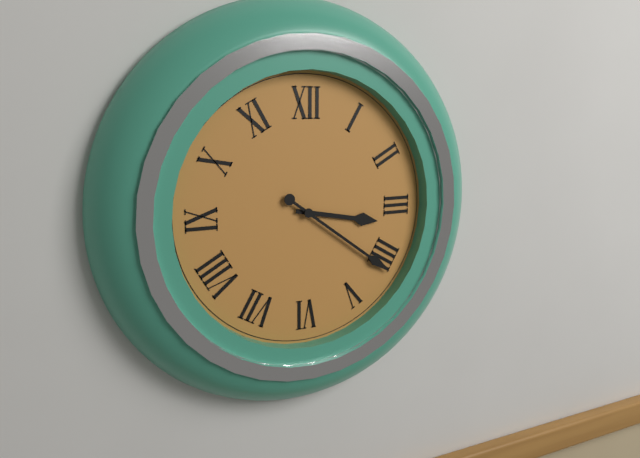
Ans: {"hour": 3, "minute": 21}
